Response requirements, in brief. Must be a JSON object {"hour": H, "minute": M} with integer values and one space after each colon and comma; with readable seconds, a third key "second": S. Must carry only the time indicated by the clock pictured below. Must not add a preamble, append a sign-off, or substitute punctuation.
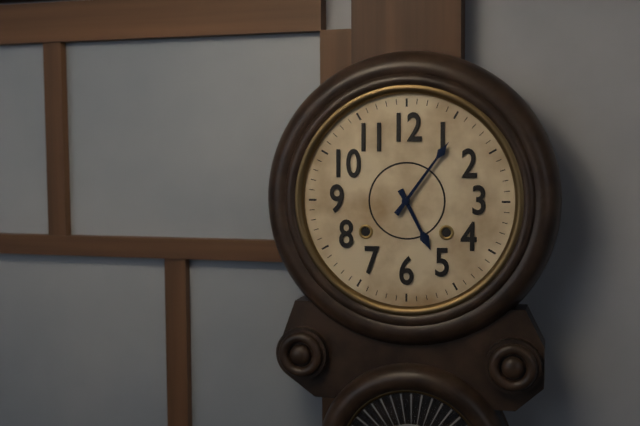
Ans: {"hour": 5, "minute": 6}
